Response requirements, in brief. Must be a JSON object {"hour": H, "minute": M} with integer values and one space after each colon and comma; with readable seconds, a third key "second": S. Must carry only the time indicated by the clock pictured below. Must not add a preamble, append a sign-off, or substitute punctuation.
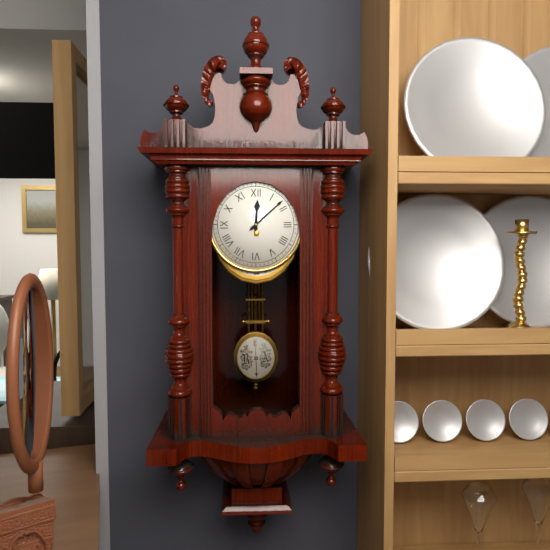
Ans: {"hour": 12, "minute": 8}
